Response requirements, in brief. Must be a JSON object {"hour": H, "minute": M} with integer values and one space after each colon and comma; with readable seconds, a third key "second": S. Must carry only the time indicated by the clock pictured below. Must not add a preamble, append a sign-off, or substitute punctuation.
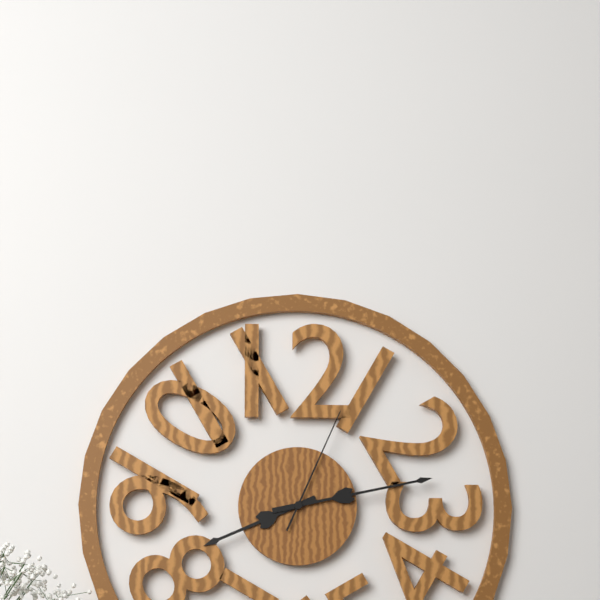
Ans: {"hour": 8, "minute": 13, "second": 4}
